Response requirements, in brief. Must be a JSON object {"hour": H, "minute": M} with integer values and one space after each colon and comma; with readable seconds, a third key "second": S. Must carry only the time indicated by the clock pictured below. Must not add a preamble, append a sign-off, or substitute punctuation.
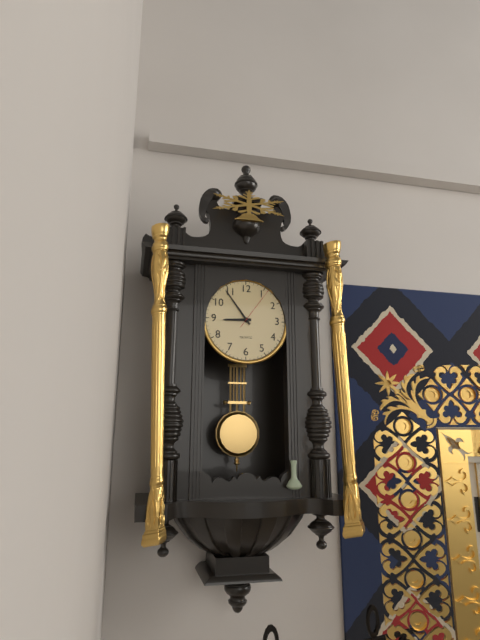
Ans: {"hour": 8, "minute": 54}
